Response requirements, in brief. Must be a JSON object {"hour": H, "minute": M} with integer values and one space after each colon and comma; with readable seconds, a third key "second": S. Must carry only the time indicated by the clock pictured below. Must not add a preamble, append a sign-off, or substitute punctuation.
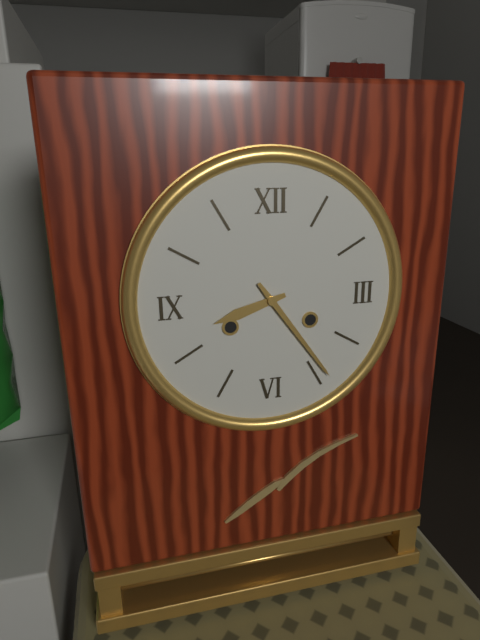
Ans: {"hour": 8, "minute": 24}
